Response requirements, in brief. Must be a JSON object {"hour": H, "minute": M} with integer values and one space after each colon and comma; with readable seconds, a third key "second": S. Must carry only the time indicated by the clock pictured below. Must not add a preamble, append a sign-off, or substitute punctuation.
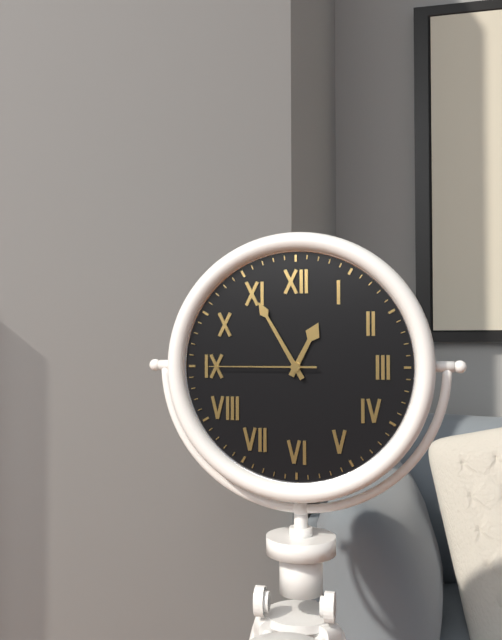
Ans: {"hour": 12, "minute": 55, "second": 45}
